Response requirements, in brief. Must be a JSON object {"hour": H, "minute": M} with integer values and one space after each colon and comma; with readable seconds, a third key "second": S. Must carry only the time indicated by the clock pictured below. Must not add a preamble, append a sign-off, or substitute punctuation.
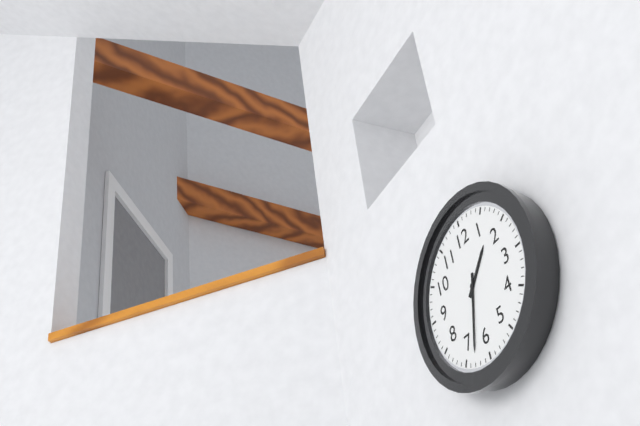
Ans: {"hour": 1, "minute": 33}
